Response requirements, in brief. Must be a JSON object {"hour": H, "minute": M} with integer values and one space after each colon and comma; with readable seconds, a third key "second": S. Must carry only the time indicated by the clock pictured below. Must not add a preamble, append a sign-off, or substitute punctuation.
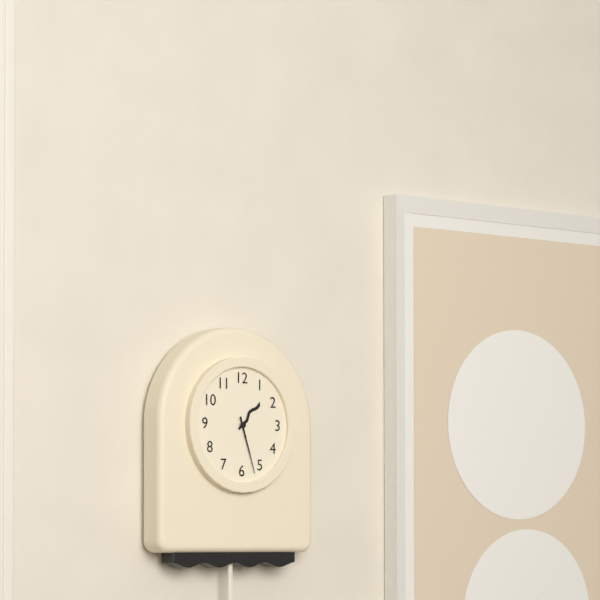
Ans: {"hour": 1, "minute": 27}
